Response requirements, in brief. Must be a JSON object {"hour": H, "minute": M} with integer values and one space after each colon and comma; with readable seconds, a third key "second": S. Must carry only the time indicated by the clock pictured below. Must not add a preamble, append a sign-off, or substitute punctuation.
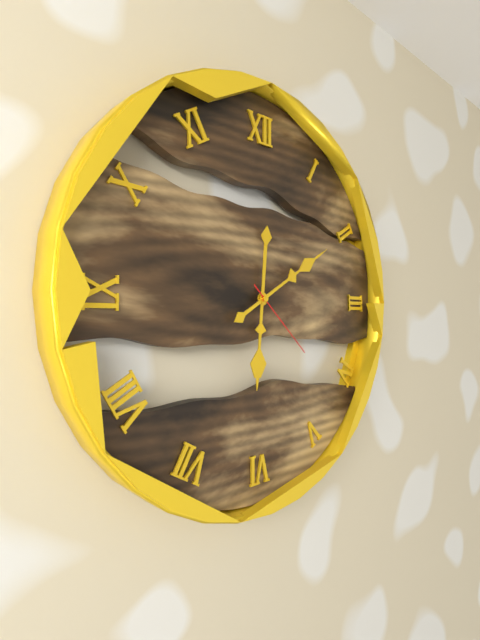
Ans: {"hour": 6, "minute": 10, "second": 22}
